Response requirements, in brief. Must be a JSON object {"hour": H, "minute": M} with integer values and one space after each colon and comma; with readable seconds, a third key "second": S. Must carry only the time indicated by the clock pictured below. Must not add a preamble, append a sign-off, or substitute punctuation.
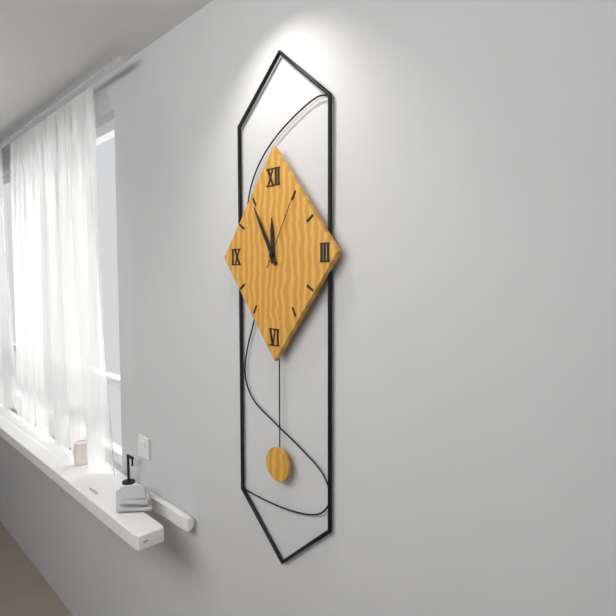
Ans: {"hour": 11, "minute": 55, "second": 5}
